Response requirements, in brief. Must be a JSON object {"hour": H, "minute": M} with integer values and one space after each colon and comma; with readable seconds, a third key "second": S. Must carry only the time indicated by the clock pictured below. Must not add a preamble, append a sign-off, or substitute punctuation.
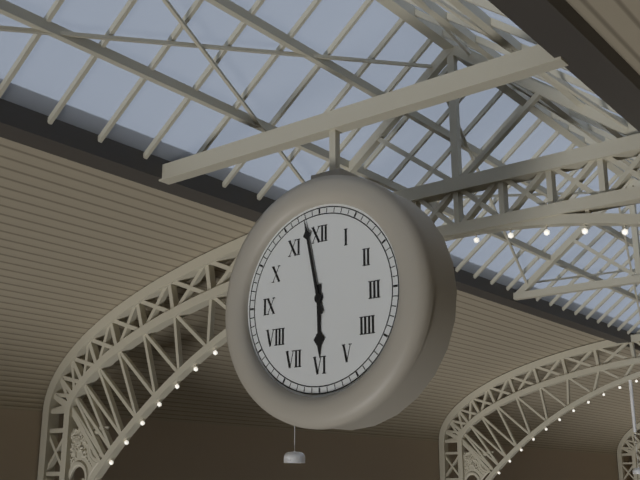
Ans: {"hour": 5, "minute": 58}
